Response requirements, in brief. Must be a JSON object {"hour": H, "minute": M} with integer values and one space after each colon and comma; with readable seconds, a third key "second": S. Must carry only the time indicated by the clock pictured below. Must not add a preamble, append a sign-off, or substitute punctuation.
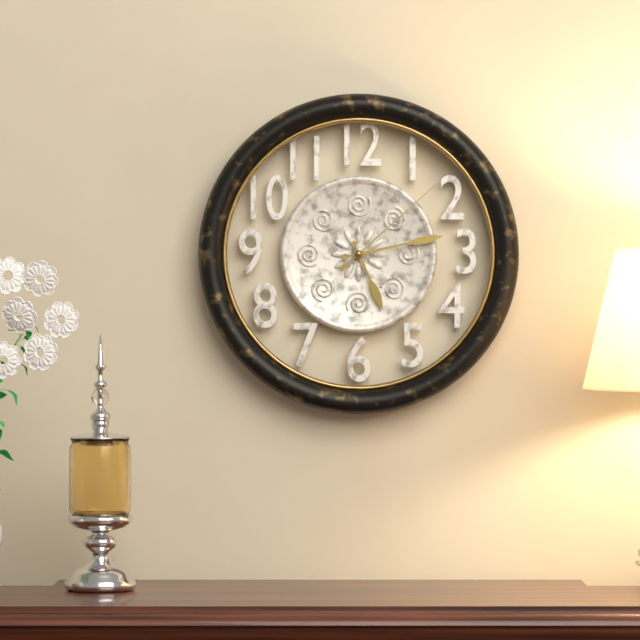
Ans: {"hour": 5, "minute": 13, "second": 8}
